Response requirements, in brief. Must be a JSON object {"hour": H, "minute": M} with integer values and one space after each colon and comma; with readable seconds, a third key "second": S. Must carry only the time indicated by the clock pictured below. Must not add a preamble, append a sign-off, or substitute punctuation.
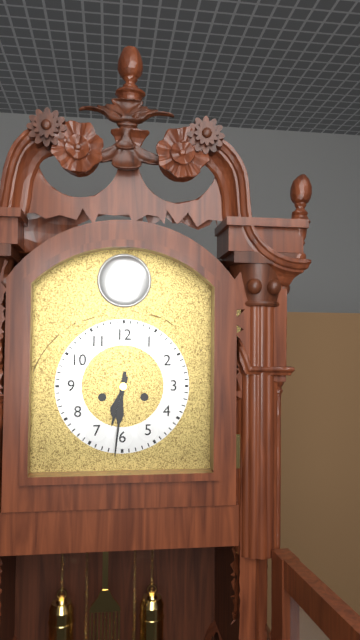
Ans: {"hour": 6, "minute": 31}
